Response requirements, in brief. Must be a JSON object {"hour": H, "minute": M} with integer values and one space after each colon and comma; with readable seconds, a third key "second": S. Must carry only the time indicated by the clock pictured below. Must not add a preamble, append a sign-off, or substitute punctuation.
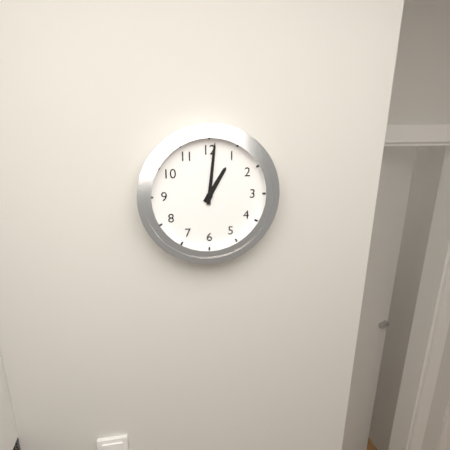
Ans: {"hour": 1, "minute": 1}
